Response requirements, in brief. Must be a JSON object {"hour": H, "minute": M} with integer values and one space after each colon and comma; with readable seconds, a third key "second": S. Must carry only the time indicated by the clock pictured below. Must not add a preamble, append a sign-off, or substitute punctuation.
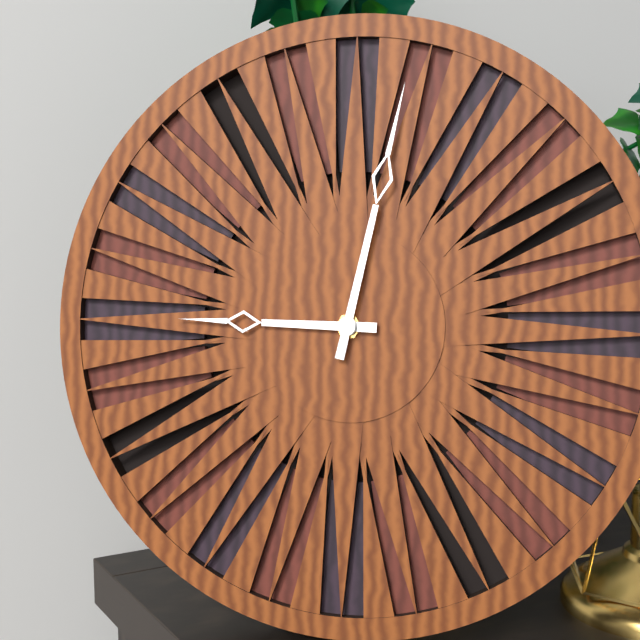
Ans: {"hour": 9, "minute": 2}
